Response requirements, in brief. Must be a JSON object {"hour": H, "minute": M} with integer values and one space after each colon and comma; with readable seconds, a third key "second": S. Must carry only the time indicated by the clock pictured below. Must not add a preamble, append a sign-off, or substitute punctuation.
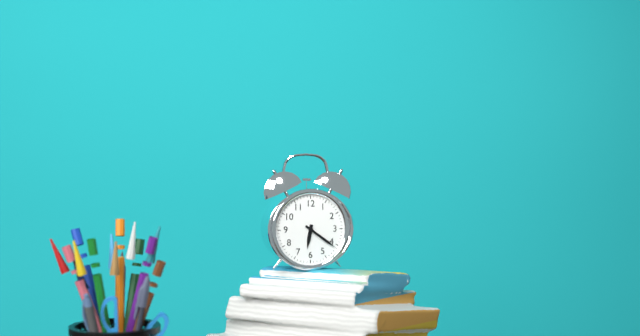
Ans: {"hour": 6, "minute": 21}
